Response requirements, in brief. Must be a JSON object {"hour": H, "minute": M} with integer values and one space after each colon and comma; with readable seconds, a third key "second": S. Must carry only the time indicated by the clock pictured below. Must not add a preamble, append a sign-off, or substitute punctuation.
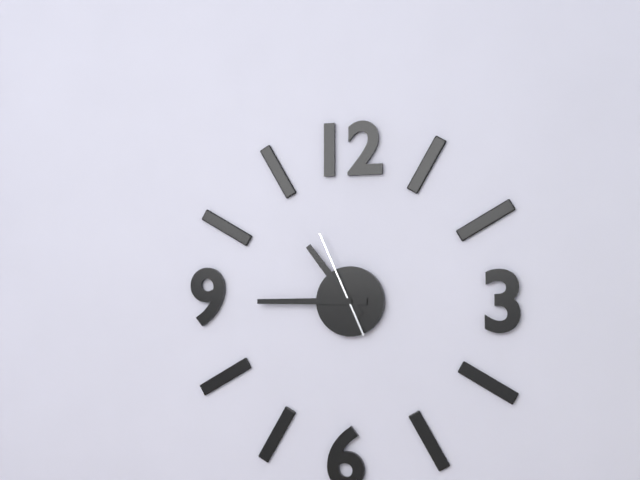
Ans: {"hour": 10, "minute": 45, "second": 56}
